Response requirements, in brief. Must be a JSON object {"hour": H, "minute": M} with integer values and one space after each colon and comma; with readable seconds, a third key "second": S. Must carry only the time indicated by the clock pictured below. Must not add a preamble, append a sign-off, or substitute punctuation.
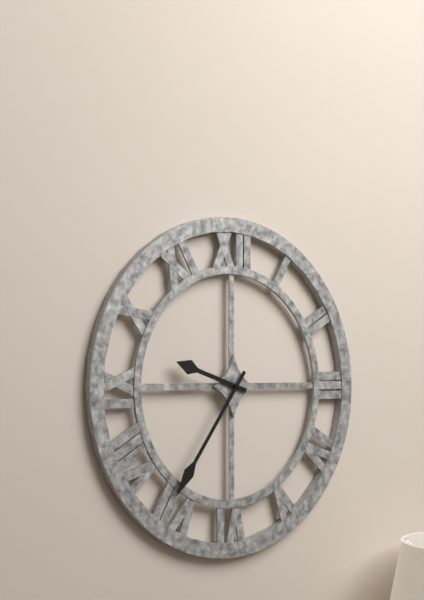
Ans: {"hour": 9, "minute": 36}
